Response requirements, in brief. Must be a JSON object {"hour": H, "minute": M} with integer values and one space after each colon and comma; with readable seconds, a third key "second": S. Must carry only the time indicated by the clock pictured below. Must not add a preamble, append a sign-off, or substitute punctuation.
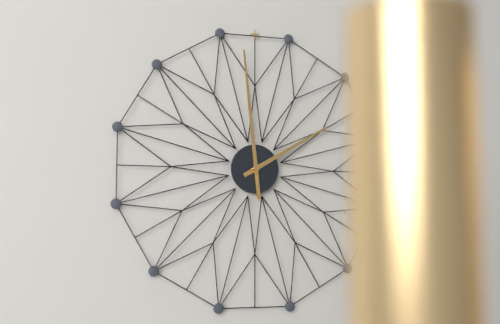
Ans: {"hour": 1, "minute": 59}
